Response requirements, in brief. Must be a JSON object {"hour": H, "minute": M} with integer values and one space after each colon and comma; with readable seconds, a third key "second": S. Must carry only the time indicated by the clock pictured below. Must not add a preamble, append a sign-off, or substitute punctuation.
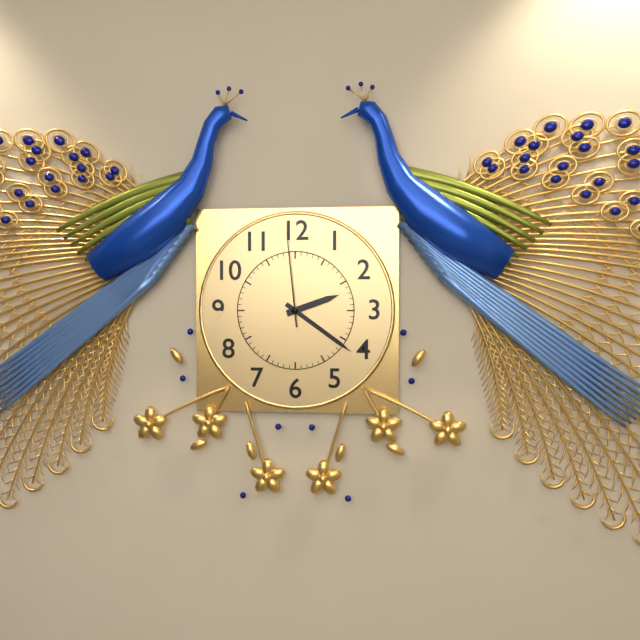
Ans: {"hour": 2, "minute": 21, "second": 59}
